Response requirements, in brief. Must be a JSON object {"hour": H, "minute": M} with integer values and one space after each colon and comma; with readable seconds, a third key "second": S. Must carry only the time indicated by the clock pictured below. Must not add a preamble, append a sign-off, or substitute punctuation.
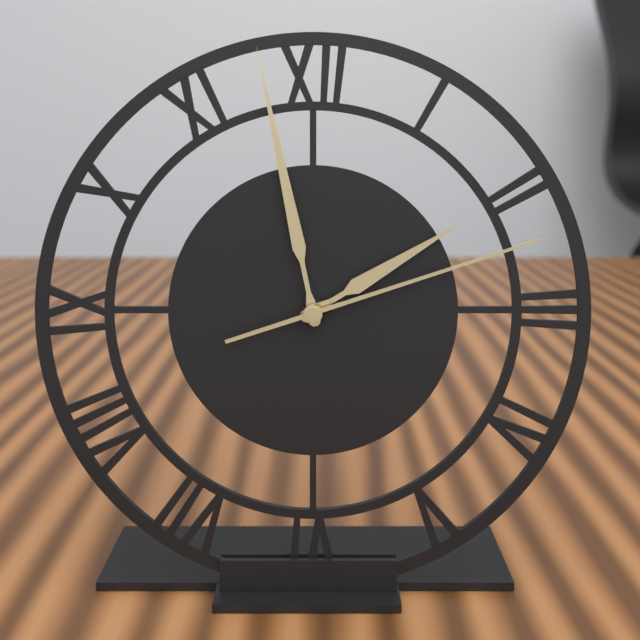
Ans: {"hour": 1, "minute": 58, "second": 12}
